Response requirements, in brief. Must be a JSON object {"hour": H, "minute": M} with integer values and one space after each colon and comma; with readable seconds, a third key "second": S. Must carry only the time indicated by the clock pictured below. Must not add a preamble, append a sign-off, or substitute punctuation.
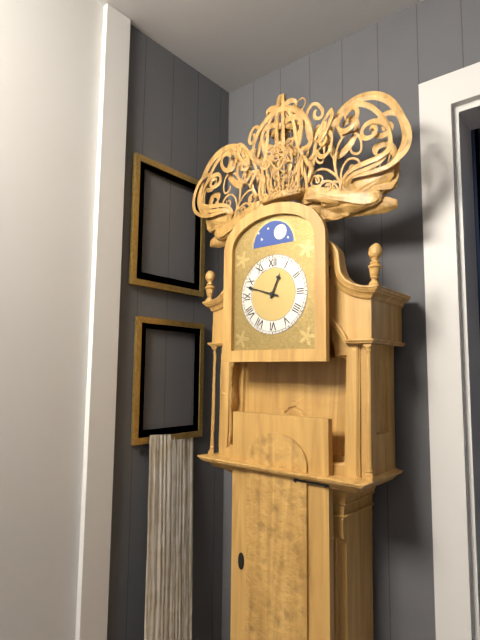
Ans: {"hour": 12, "minute": 48}
